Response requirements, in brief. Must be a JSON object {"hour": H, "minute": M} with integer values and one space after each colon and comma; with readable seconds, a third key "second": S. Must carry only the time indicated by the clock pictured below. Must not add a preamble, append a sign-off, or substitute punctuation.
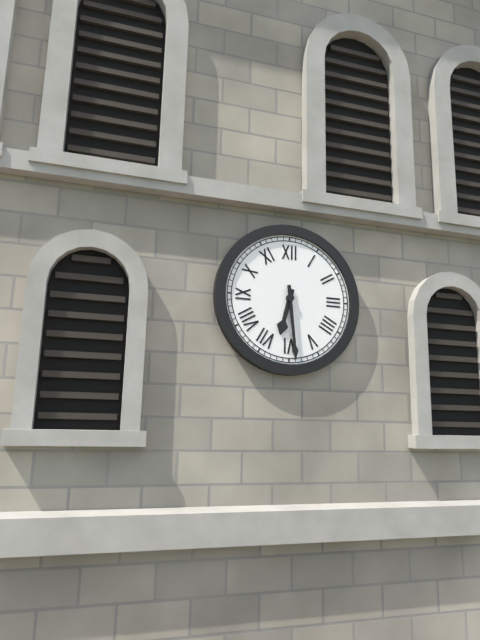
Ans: {"hour": 6, "minute": 29}
